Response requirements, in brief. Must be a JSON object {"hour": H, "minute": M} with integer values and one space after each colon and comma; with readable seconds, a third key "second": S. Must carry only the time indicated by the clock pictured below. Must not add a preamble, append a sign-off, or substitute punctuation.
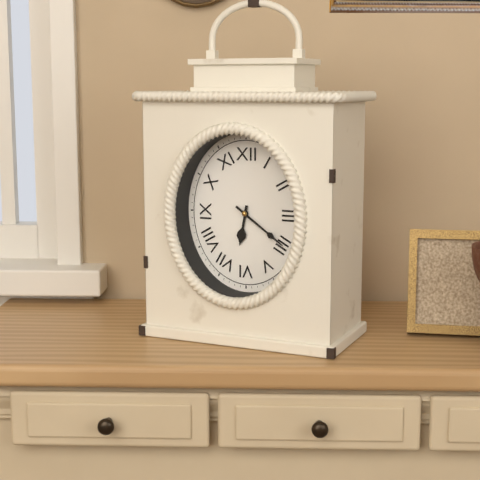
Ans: {"hour": 6, "minute": 21}
